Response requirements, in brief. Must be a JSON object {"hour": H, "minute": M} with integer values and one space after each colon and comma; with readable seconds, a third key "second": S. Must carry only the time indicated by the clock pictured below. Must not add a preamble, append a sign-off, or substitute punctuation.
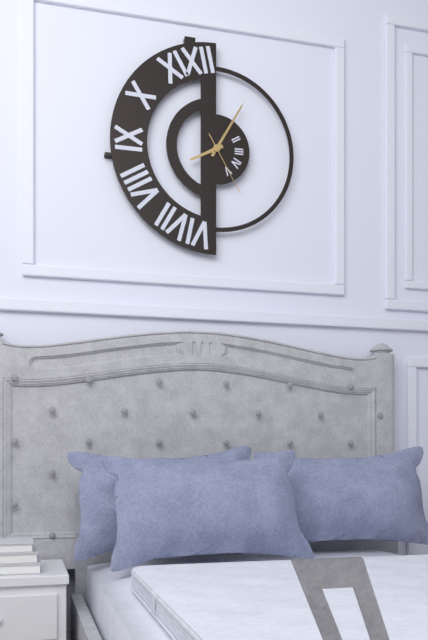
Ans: {"hour": 8, "minute": 5, "second": 25}
